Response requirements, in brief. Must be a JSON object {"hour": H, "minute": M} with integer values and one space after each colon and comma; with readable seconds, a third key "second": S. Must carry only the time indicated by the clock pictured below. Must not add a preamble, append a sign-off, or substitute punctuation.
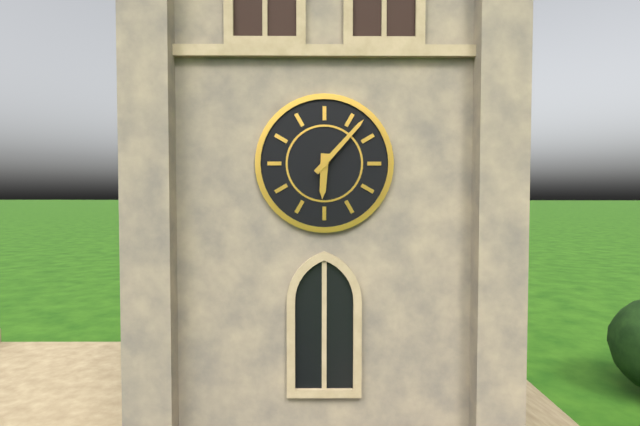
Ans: {"hour": 6, "minute": 7}
